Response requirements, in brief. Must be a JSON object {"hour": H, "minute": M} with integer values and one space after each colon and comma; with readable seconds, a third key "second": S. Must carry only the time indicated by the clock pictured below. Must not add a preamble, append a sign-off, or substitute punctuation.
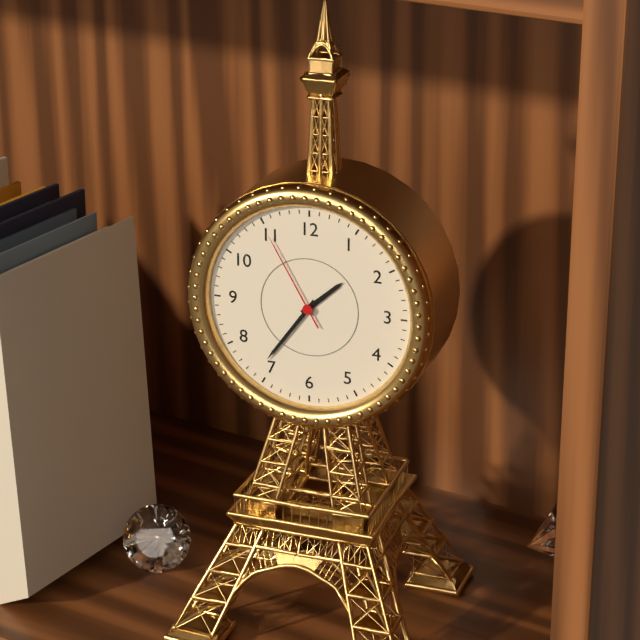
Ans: {"hour": 1, "minute": 36, "second": 55}
